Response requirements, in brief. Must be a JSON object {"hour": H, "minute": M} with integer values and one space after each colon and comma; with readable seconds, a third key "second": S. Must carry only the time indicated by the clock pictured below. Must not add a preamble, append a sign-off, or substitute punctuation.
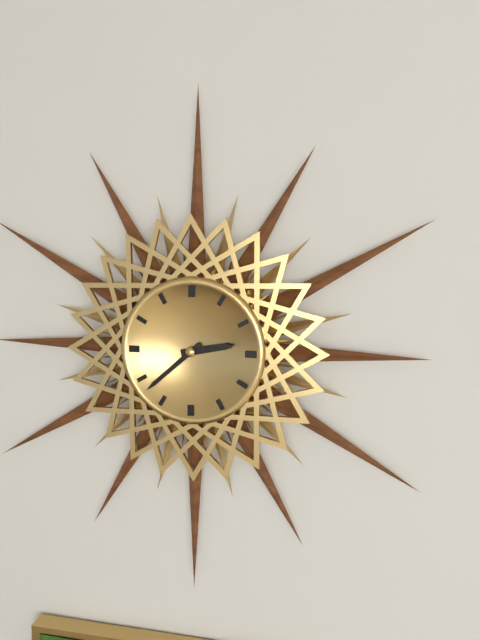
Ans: {"hour": 2, "minute": 38}
